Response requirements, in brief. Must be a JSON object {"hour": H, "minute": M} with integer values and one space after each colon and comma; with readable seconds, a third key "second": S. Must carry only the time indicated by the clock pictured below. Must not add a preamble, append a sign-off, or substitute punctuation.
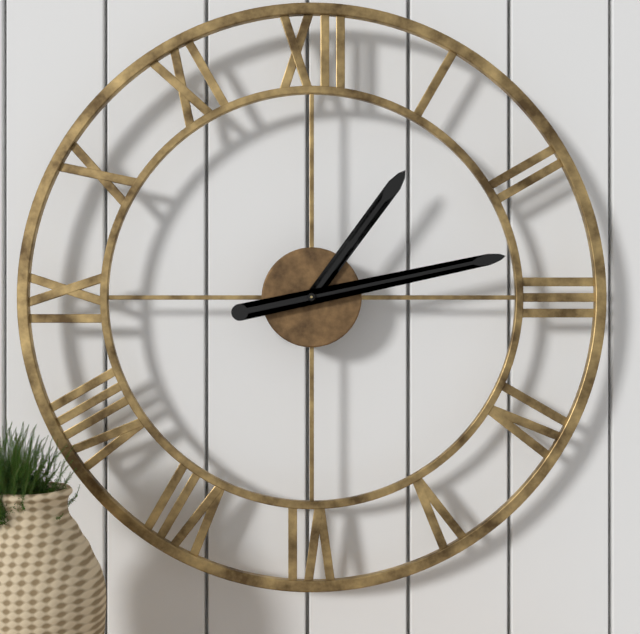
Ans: {"hour": 1, "minute": 13}
